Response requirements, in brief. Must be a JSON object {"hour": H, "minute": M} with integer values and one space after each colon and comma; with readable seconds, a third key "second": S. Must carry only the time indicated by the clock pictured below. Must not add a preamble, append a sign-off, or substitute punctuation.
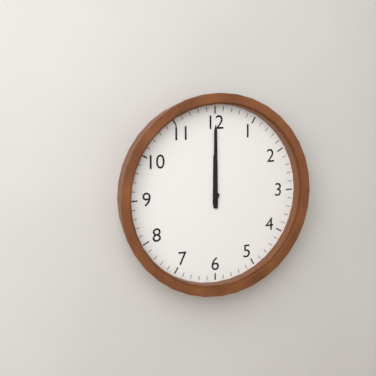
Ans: {"hour": 12, "minute": 0}
